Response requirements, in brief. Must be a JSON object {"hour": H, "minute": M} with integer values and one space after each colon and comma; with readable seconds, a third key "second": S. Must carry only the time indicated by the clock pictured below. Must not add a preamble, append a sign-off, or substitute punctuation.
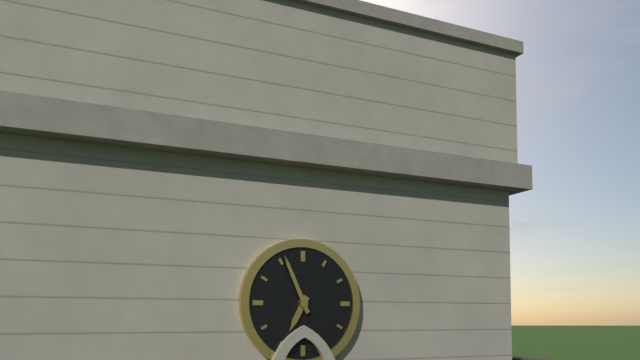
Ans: {"hour": 6, "minute": 56}
